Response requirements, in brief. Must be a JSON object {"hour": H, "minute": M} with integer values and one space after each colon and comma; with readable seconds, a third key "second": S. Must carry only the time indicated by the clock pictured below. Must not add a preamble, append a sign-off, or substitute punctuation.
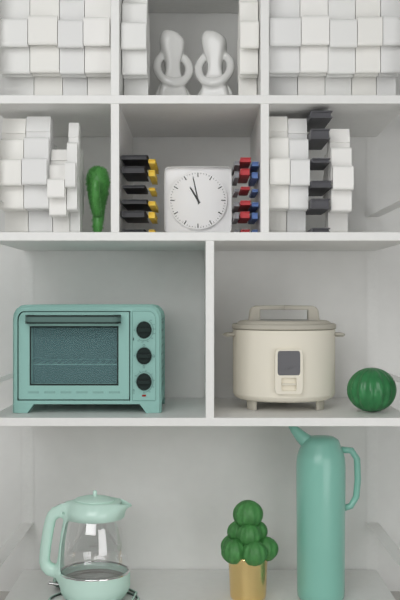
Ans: {"hour": 10, "minute": 58}
